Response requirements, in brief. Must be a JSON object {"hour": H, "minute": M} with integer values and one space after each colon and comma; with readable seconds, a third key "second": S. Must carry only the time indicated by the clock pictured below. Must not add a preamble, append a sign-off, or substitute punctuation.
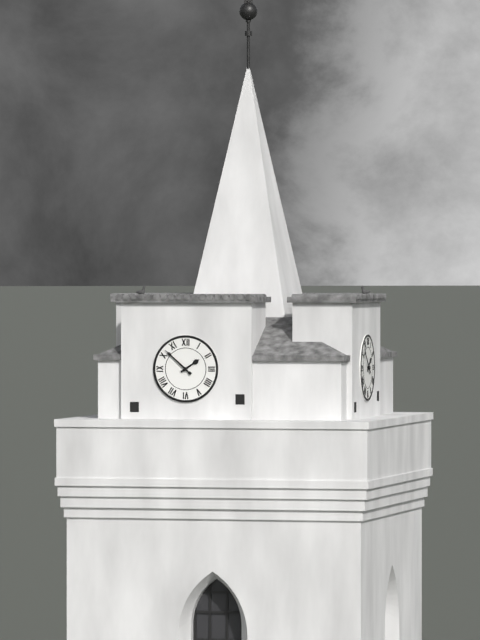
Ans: {"hour": 1, "minute": 52}
